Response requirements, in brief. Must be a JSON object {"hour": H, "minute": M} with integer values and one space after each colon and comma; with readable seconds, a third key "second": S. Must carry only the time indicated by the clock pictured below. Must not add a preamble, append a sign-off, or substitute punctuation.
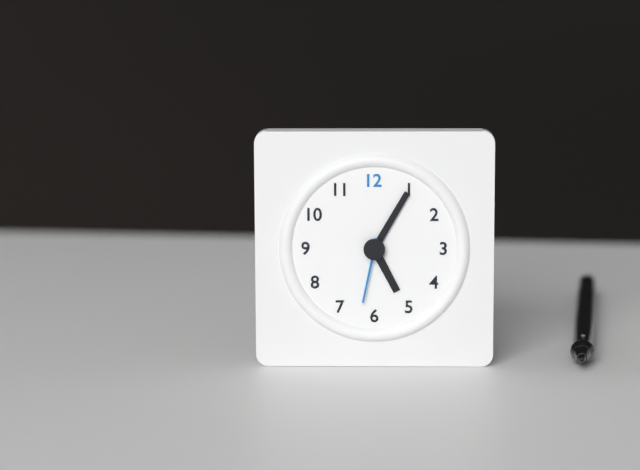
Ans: {"hour": 5, "minute": 5, "second": 32}
